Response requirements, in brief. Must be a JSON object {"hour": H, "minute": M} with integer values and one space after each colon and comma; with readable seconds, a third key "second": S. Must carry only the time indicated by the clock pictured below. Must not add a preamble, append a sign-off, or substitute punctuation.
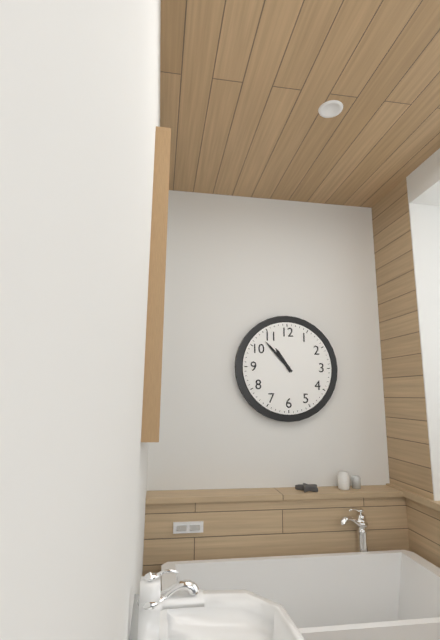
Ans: {"hour": 10, "minute": 53}
